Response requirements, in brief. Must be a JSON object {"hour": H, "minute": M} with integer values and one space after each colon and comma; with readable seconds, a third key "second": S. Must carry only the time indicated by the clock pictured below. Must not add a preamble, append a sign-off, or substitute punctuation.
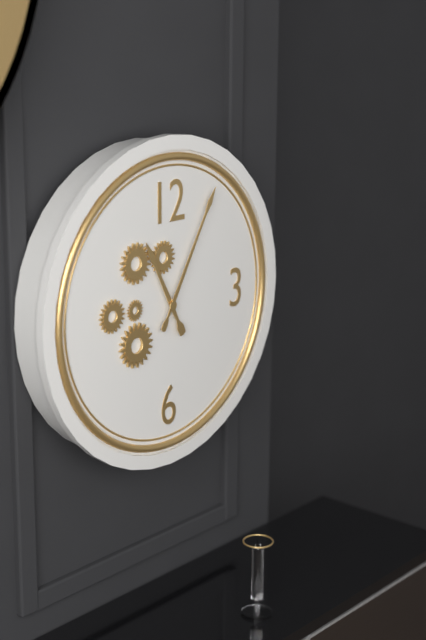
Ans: {"hour": 11, "minute": 5}
